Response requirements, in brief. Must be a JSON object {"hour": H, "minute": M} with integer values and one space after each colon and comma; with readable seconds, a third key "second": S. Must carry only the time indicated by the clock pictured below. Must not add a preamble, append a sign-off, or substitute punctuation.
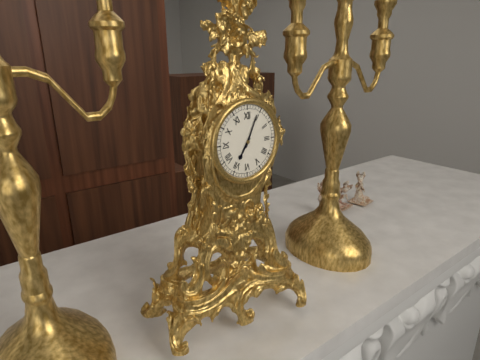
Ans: {"hour": 7, "minute": 4}
